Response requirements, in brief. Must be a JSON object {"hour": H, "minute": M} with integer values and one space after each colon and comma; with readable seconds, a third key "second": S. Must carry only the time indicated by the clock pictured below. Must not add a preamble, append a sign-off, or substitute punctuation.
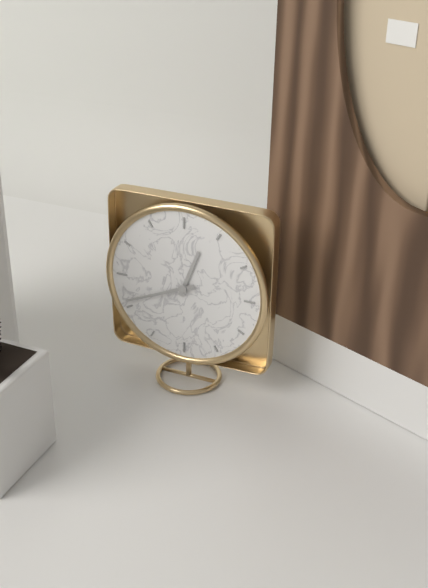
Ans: {"hour": 12, "minute": 41}
